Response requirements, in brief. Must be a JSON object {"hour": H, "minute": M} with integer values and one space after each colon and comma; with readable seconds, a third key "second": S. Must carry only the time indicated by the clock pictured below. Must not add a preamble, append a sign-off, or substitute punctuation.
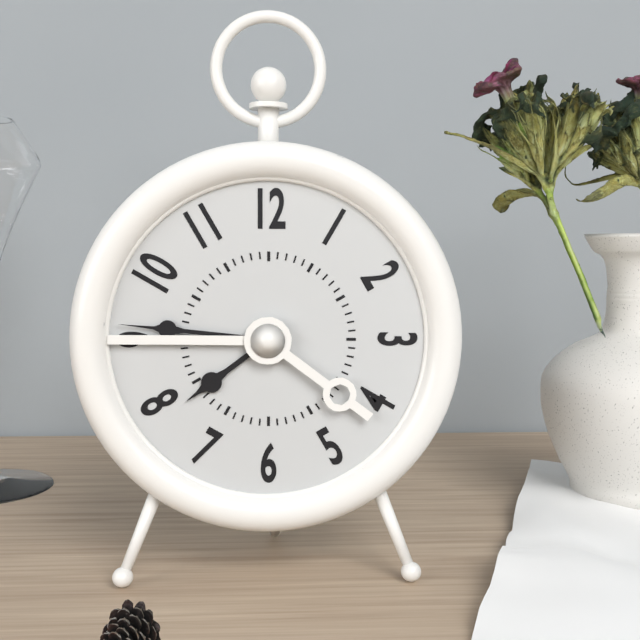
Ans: {"hour": 7, "minute": 46}
